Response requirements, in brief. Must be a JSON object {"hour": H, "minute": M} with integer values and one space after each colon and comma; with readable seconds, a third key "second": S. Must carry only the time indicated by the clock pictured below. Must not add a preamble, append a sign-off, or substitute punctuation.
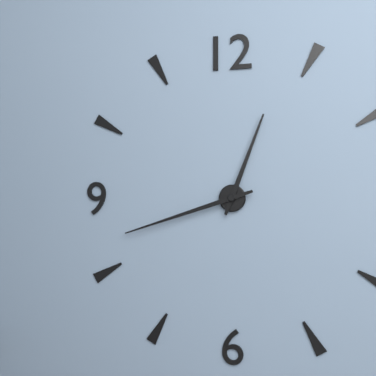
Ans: {"hour": 12, "minute": 42}
